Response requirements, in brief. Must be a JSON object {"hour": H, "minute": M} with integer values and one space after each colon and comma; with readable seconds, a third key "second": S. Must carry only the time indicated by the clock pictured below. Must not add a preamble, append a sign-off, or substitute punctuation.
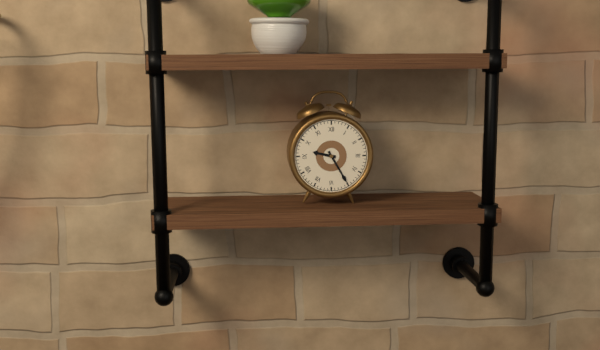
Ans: {"hour": 9, "minute": 25}
